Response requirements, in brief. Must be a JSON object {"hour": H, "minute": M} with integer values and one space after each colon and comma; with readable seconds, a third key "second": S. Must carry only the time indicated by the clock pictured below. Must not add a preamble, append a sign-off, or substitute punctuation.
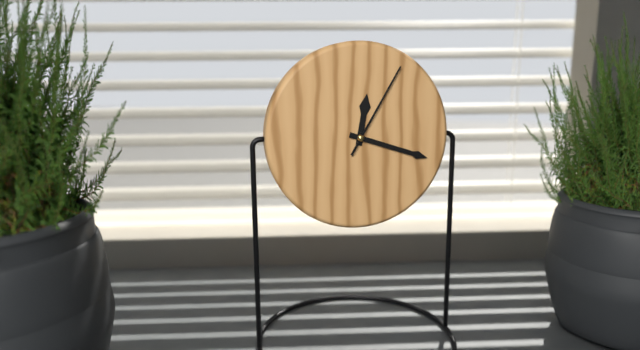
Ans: {"hour": 12, "minute": 18, "second": 5}
